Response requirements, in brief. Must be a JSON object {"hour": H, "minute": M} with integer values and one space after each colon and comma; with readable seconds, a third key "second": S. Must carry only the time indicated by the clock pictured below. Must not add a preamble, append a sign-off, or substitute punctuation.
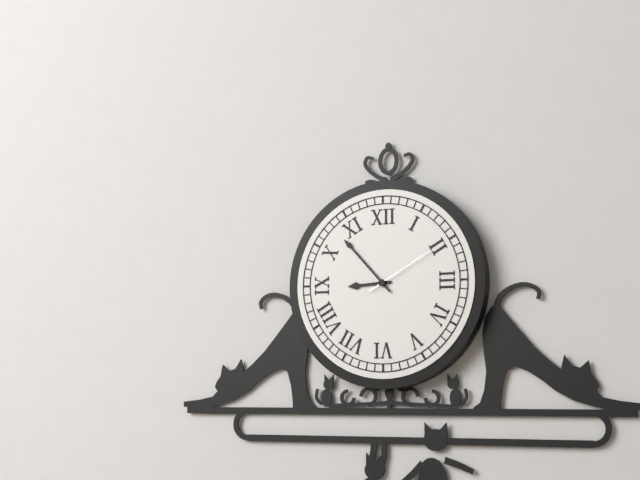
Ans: {"hour": 8, "minute": 53, "second": 10}
